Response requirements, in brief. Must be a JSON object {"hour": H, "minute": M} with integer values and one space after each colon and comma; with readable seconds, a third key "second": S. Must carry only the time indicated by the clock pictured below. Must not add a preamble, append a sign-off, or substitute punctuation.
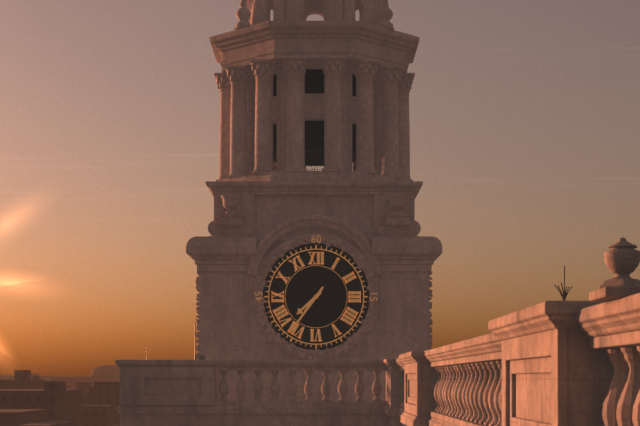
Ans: {"hour": 7, "minute": 36}
